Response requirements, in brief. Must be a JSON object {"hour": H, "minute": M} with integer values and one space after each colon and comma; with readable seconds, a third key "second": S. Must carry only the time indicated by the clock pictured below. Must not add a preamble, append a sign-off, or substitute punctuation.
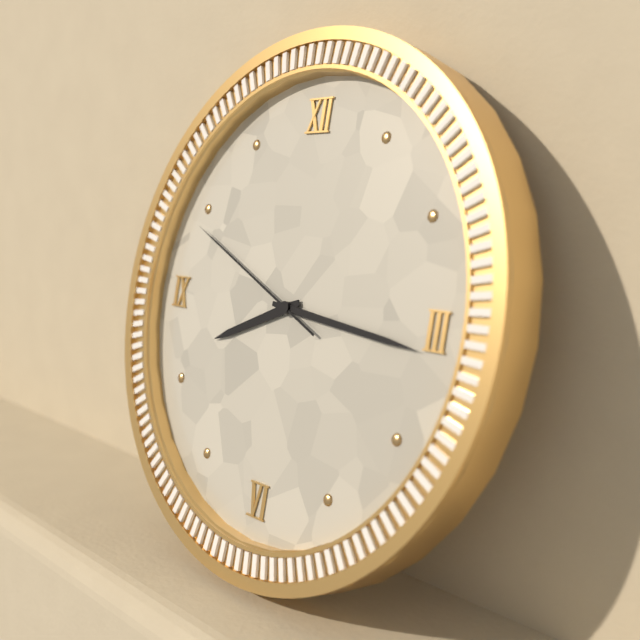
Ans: {"hour": 8, "minute": 16, "second": 49}
